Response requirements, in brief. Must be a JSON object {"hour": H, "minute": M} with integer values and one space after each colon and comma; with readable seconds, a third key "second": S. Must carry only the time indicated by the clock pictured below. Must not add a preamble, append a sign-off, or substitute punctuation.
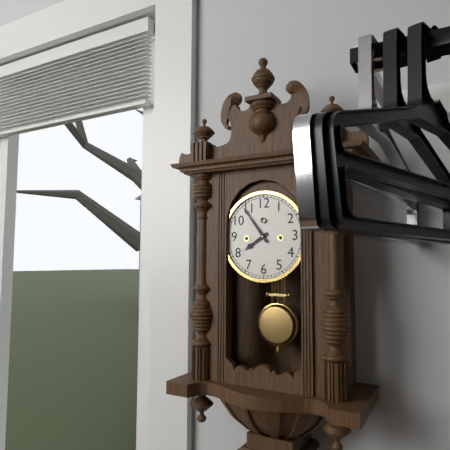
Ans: {"hour": 7, "minute": 54}
